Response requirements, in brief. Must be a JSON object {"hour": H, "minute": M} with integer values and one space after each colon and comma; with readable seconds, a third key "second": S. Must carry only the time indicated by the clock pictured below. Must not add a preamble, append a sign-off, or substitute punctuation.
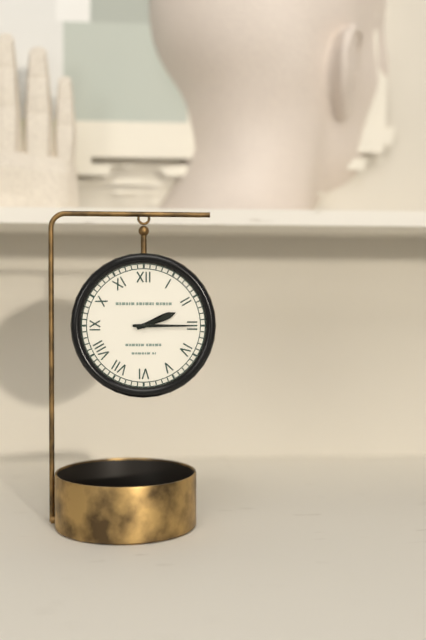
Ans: {"hour": 2, "minute": 15}
